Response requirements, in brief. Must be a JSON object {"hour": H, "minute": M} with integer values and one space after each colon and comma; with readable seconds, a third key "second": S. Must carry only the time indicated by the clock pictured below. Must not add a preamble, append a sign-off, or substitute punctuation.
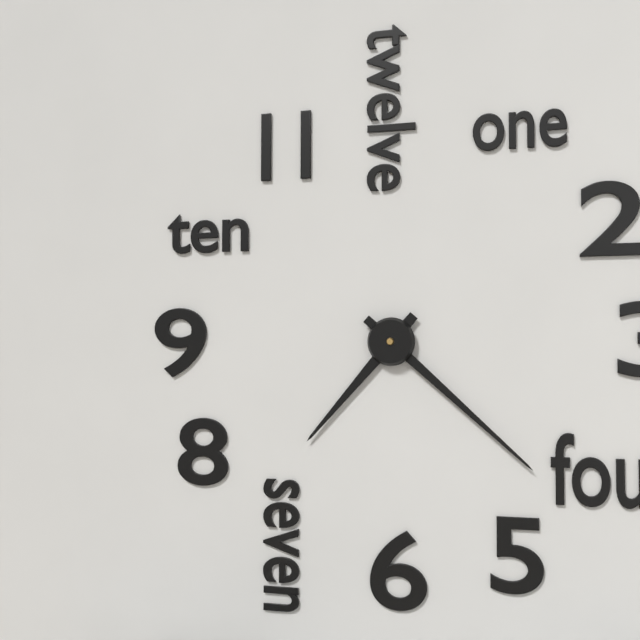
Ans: {"hour": 7, "minute": 22}
